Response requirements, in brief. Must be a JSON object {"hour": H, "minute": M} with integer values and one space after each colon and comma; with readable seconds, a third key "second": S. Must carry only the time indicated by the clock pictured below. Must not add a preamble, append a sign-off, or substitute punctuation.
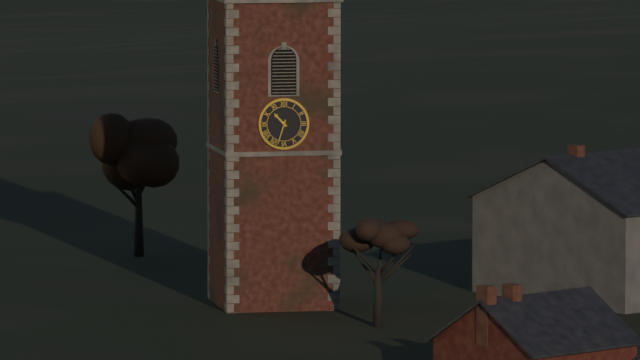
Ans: {"hour": 10, "minute": 33}
